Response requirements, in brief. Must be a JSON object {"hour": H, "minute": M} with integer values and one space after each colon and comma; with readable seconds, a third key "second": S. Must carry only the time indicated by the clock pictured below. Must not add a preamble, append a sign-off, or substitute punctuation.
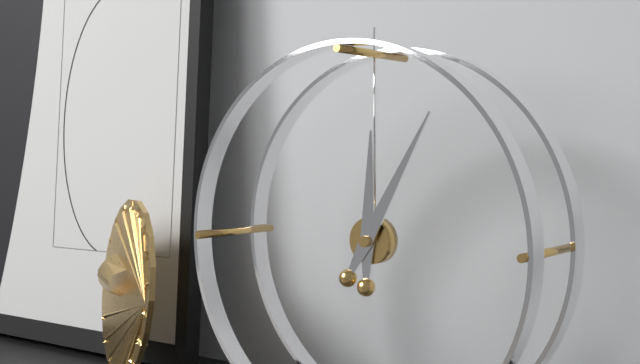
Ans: {"hour": 12, "minute": 5}
